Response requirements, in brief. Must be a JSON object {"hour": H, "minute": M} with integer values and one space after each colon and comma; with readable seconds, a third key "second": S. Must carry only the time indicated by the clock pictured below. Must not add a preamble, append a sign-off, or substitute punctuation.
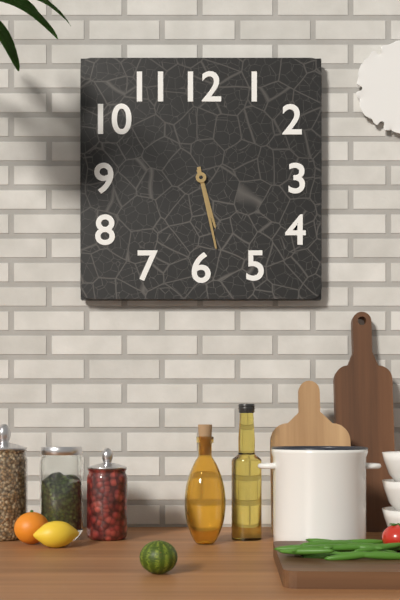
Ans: {"hour": 5, "minute": 28}
